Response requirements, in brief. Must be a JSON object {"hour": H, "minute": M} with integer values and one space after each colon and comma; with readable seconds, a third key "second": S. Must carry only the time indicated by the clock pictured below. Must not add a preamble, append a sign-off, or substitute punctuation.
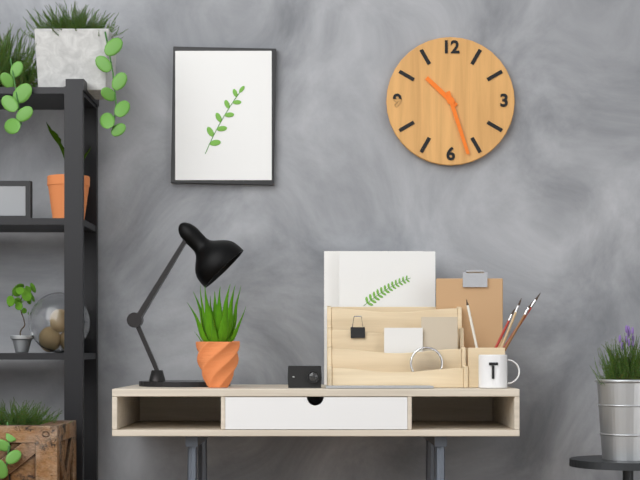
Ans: {"hour": 10, "minute": 27}
